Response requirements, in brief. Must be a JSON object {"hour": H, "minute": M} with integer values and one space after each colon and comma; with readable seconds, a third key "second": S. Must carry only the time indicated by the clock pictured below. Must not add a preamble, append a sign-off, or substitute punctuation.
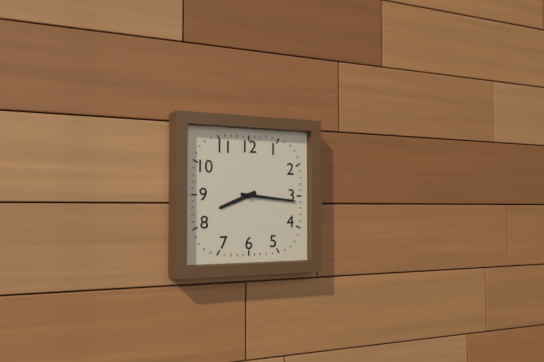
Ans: {"hour": 8, "minute": 16}
